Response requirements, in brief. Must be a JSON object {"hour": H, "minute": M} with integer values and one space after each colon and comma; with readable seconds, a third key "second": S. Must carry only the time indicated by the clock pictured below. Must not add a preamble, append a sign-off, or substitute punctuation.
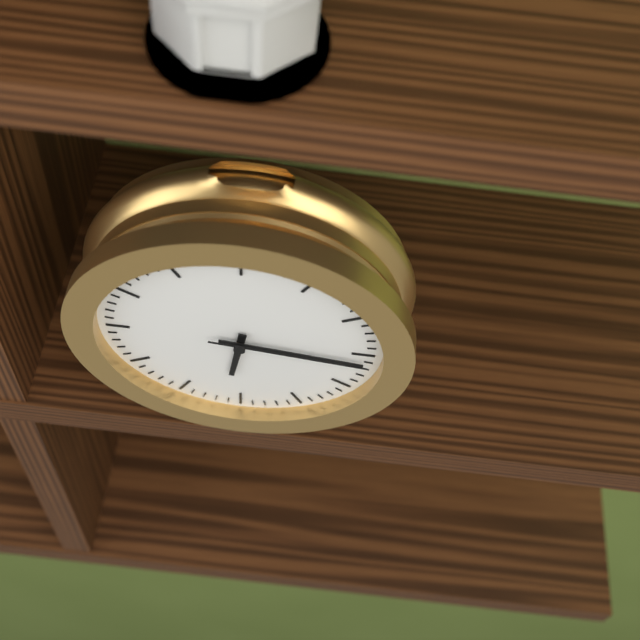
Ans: {"hour": 6, "minute": 16, "second": 16}
